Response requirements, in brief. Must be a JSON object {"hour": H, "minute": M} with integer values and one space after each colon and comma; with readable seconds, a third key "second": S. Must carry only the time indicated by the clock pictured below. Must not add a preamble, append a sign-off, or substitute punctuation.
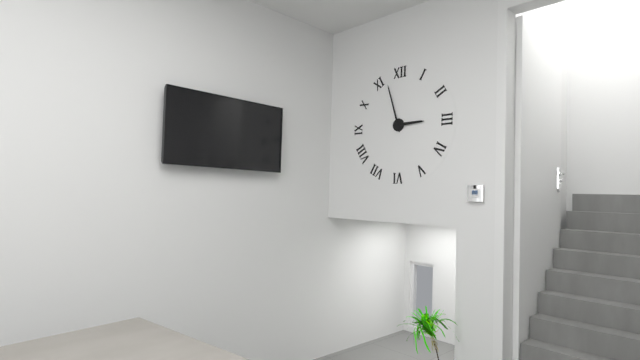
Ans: {"hour": 2, "minute": 57}
